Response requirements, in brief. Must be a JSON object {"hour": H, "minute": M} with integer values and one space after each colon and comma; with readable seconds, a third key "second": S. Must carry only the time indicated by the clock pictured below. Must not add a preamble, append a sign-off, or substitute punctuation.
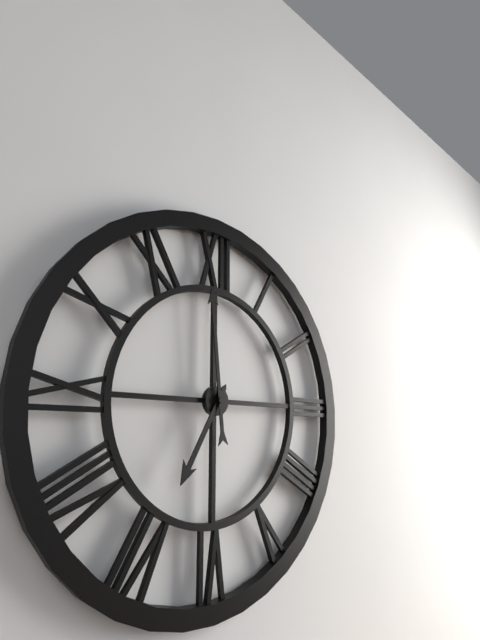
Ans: {"hour": 6, "minute": 59}
